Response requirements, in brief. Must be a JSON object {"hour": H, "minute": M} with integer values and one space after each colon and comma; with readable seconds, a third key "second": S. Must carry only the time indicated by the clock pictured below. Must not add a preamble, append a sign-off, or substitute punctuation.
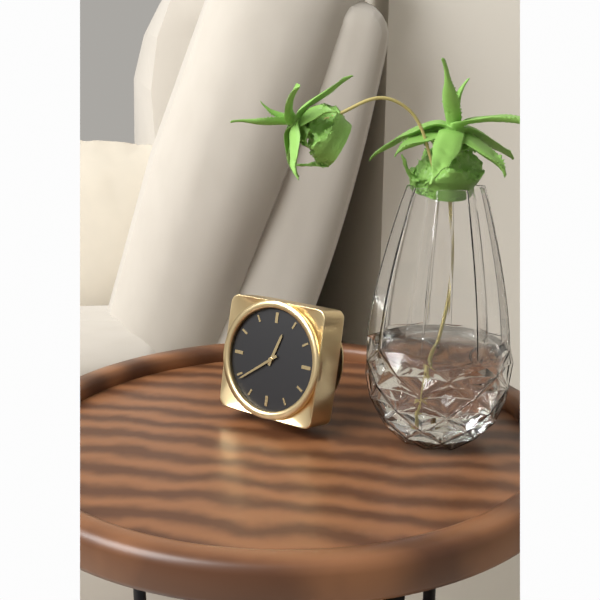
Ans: {"hour": 12, "minute": 39}
